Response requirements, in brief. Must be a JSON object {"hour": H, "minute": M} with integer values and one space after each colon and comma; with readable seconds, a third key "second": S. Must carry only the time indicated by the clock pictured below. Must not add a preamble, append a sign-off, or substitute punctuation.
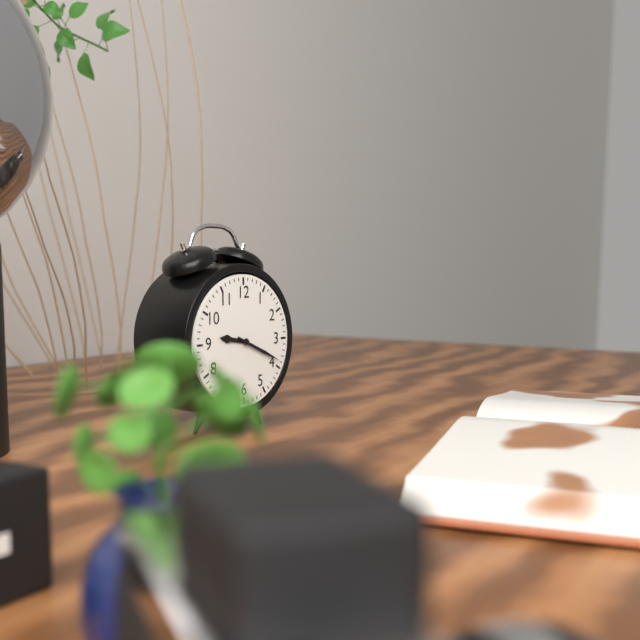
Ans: {"hour": 9, "minute": 19}
